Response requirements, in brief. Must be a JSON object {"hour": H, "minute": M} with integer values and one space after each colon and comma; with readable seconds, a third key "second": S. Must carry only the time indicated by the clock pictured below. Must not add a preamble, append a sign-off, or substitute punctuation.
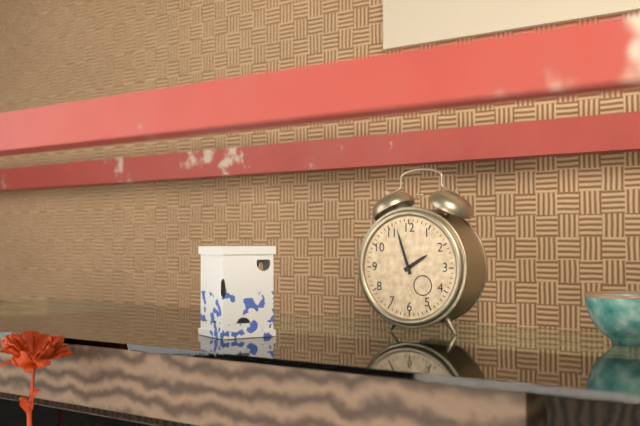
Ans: {"hour": 1, "minute": 57}
